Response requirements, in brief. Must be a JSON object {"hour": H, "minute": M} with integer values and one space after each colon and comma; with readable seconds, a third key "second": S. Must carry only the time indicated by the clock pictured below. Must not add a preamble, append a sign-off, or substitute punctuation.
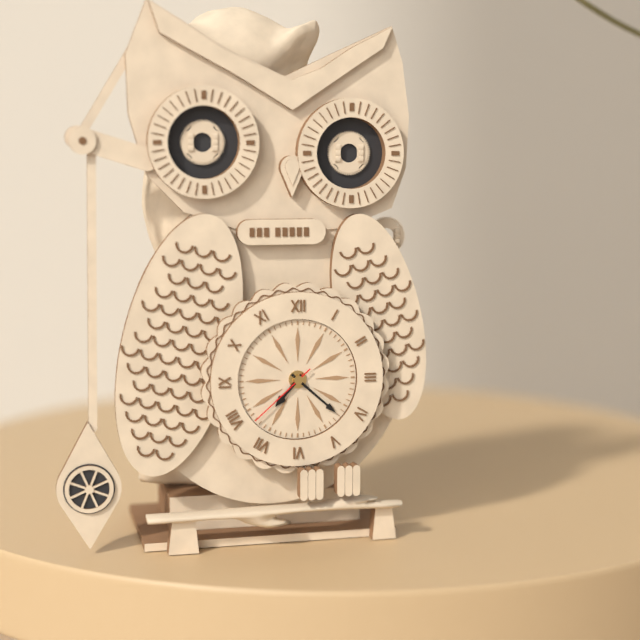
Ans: {"hour": 7, "minute": 22, "second": 38}
